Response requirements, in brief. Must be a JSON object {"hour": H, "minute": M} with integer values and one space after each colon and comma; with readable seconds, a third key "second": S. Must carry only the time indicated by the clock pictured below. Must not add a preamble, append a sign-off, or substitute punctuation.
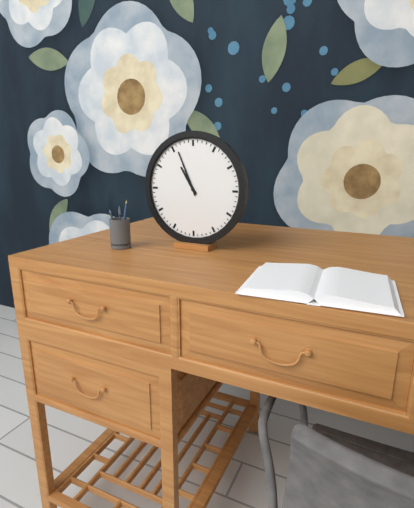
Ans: {"hour": 10, "minute": 56}
